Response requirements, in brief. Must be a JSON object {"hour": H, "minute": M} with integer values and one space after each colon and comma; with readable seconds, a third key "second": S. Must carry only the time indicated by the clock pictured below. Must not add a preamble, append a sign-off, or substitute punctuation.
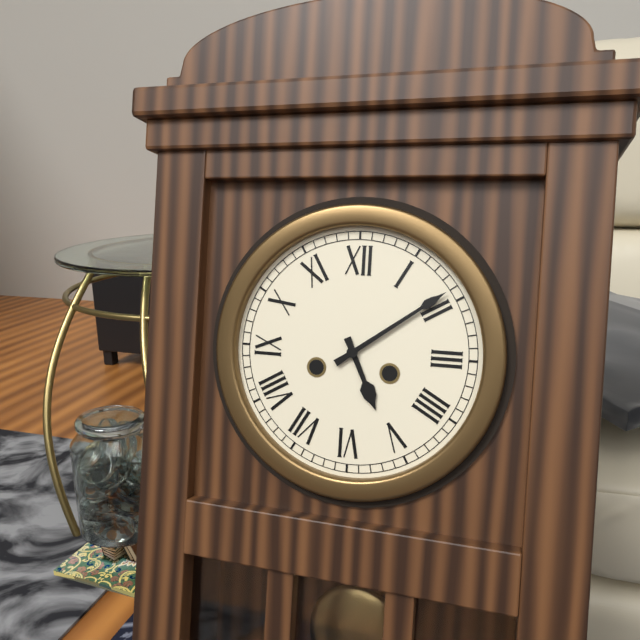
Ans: {"hour": 5, "minute": 9}
